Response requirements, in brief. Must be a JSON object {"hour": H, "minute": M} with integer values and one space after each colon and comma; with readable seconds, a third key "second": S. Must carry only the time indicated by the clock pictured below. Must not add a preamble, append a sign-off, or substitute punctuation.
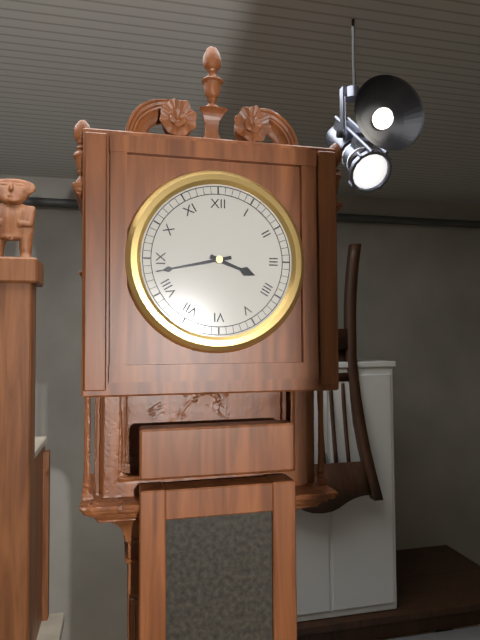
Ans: {"hour": 3, "minute": 43}
